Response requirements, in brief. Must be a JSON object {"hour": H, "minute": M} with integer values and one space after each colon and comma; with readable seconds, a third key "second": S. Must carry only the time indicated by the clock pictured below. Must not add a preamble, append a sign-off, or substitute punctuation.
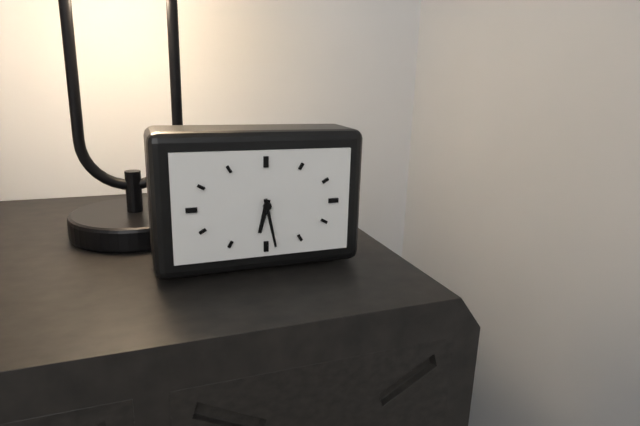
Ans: {"hour": 6, "minute": 28}
